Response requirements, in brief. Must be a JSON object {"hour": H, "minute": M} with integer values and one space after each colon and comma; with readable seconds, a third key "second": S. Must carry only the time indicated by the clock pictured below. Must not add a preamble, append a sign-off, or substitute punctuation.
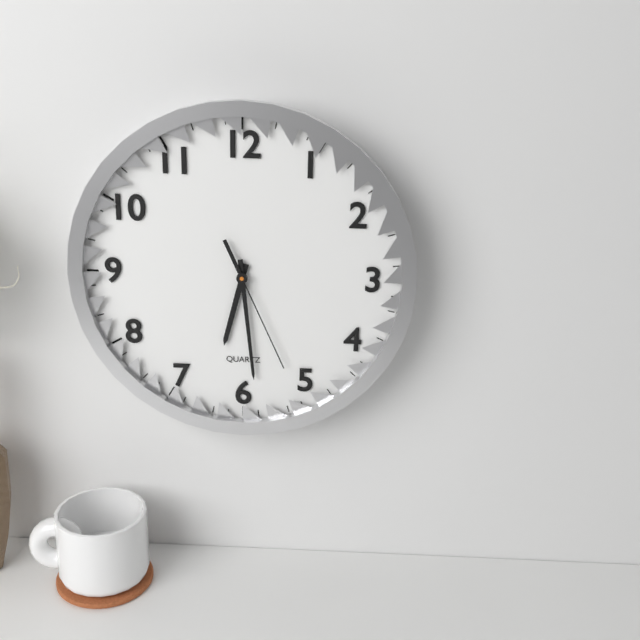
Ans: {"hour": 6, "minute": 29, "second": 26}
